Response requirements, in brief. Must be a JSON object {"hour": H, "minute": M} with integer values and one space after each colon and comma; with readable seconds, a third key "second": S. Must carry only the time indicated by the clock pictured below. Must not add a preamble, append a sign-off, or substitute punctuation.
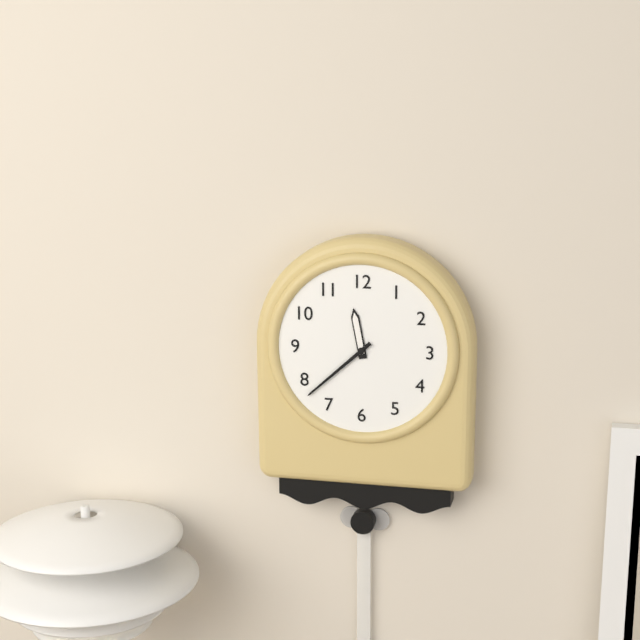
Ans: {"hour": 11, "minute": 38}
